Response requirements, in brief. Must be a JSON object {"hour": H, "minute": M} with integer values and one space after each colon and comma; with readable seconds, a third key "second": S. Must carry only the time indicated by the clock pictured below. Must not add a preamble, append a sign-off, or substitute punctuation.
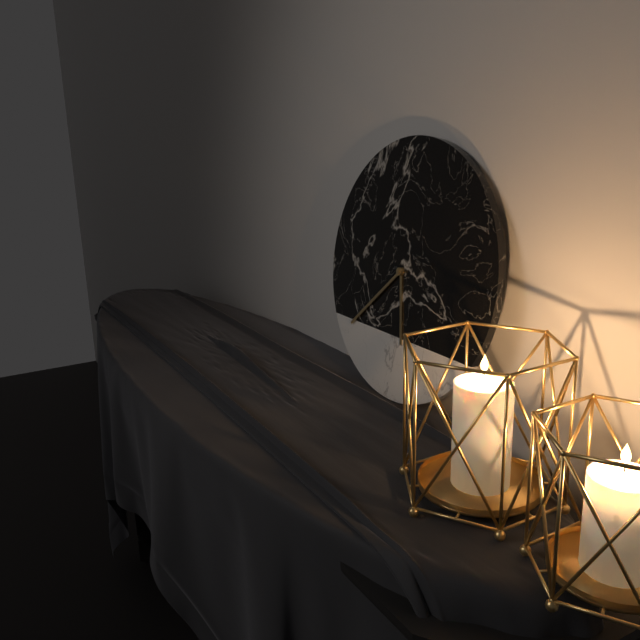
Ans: {"hour": 5, "minute": 38}
